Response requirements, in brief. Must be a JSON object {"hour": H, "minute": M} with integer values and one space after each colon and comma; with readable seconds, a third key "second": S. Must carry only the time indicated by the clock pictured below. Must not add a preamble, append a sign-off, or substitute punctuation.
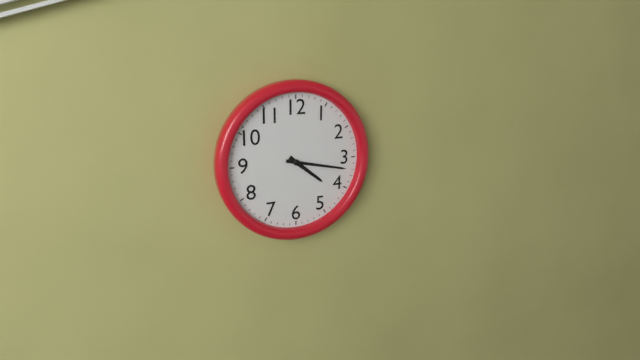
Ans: {"hour": 4, "minute": 17}
